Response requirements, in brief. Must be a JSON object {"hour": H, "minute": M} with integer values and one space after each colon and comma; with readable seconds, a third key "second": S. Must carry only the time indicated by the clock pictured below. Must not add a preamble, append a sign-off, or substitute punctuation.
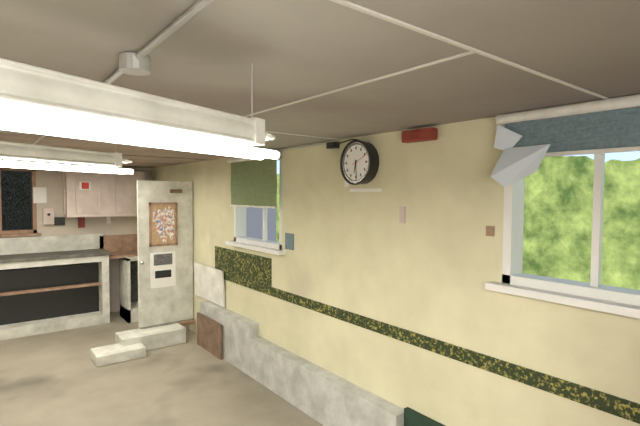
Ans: {"hour": 6, "minute": 29}
